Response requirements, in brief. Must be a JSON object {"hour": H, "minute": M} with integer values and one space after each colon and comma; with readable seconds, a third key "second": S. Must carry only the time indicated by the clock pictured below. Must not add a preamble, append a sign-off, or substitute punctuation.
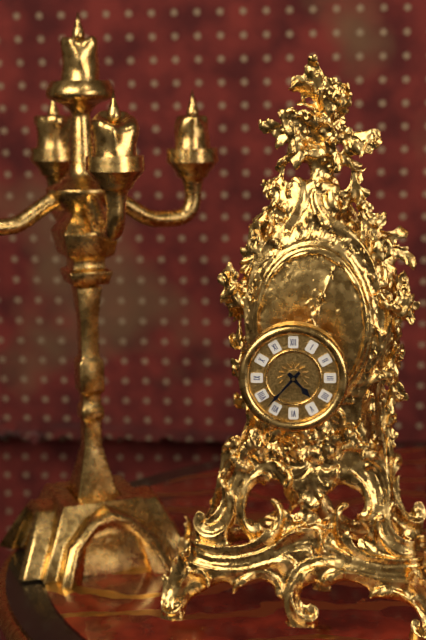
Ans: {"hour": 4, "minute": 37}
